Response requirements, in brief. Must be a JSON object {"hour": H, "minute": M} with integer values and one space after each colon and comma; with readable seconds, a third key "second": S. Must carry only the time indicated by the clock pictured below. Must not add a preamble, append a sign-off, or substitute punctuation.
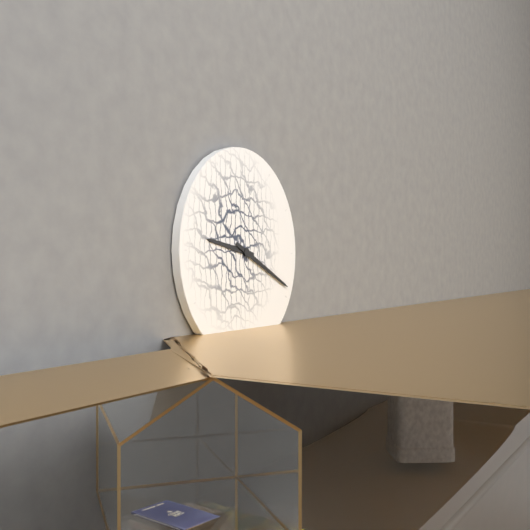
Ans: {"hour": 9, "minute": 19}
